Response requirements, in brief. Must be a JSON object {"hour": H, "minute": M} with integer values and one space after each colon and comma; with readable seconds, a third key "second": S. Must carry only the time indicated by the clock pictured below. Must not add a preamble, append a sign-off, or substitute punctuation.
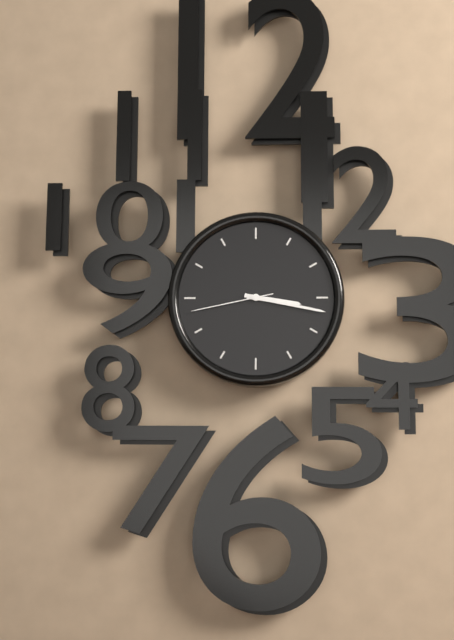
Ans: {"hour": 3, "minute": 17, "second": 43}
